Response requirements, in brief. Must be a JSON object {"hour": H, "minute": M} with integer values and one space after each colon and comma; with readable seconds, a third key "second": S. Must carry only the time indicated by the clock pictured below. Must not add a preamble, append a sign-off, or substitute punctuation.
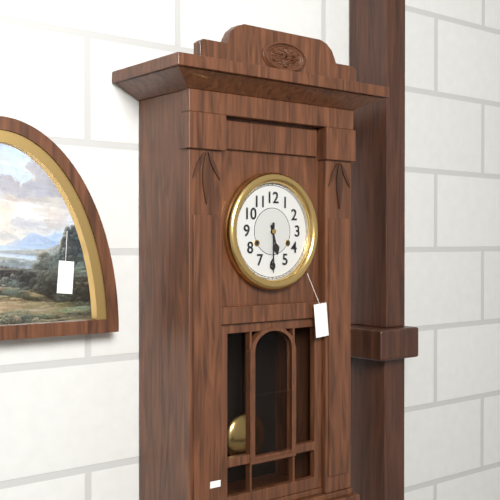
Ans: {"hour": 5, "minute": 30}
